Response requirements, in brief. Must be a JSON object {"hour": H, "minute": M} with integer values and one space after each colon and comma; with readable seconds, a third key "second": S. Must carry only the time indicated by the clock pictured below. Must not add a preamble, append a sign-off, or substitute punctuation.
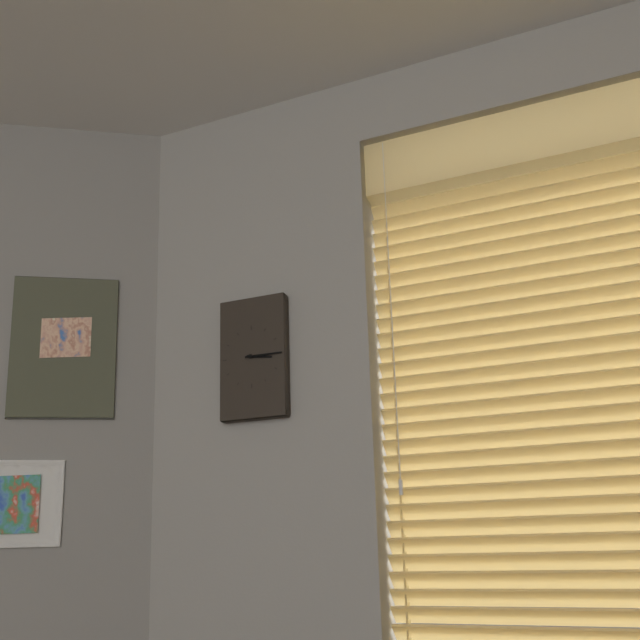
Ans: {"hour": 3, "minute": 15}
